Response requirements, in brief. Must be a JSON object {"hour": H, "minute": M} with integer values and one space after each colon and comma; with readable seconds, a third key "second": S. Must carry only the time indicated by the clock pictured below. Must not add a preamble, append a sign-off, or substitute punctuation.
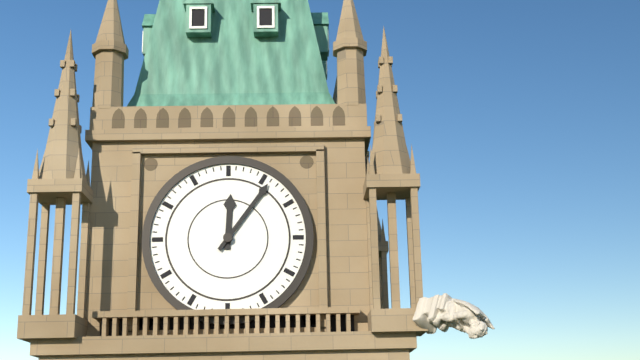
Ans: {"hour": 12, "minute": 6}
